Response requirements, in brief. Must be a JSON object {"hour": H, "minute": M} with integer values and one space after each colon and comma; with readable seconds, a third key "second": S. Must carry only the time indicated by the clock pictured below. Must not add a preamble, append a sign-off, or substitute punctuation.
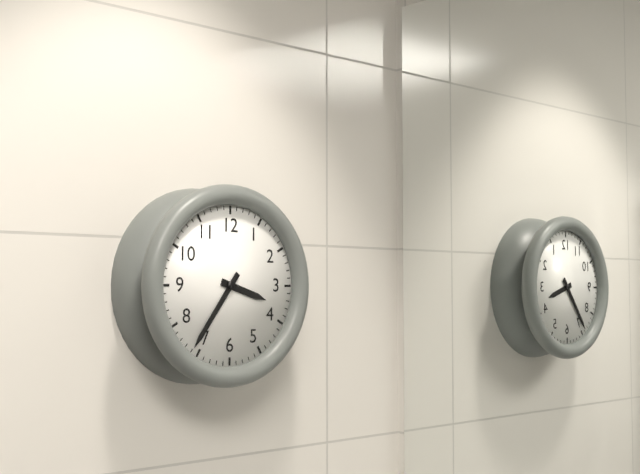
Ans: {"hour": 3, "minute": 36}
